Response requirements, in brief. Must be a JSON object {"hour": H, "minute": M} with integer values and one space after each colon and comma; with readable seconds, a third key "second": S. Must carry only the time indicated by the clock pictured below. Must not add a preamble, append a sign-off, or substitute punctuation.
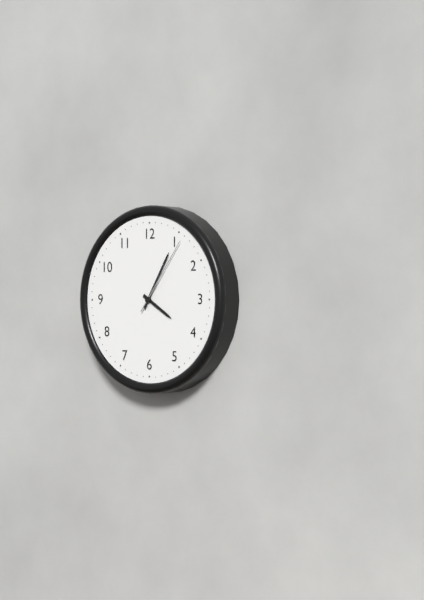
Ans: {"hour": 4, "minute": 5, "second": 6}
